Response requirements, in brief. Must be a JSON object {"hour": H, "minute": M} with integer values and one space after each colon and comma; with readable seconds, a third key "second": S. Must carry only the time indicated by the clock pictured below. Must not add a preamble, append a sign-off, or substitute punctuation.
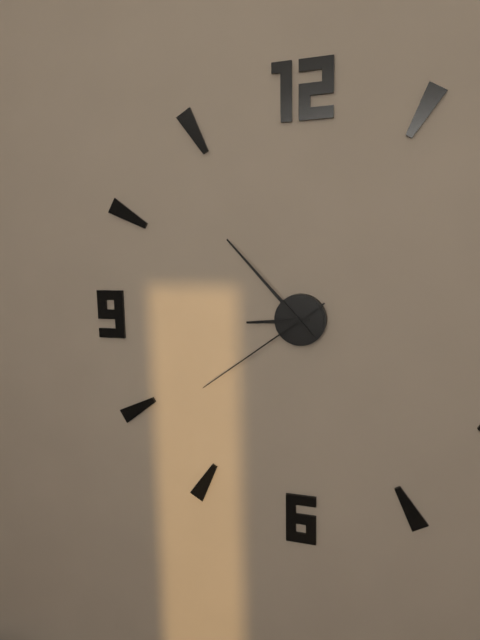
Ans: {"hour": 8, "minute": 53, "second": 39}
